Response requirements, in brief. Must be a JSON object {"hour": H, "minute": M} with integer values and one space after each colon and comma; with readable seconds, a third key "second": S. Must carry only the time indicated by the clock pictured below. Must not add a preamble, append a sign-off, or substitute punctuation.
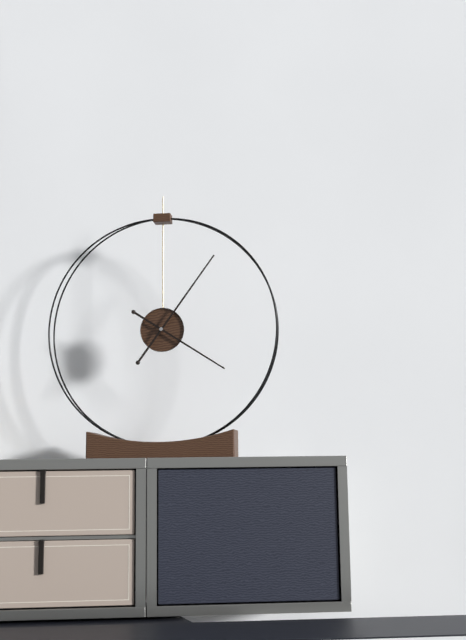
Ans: {"hour": 4, "minute": 6}
